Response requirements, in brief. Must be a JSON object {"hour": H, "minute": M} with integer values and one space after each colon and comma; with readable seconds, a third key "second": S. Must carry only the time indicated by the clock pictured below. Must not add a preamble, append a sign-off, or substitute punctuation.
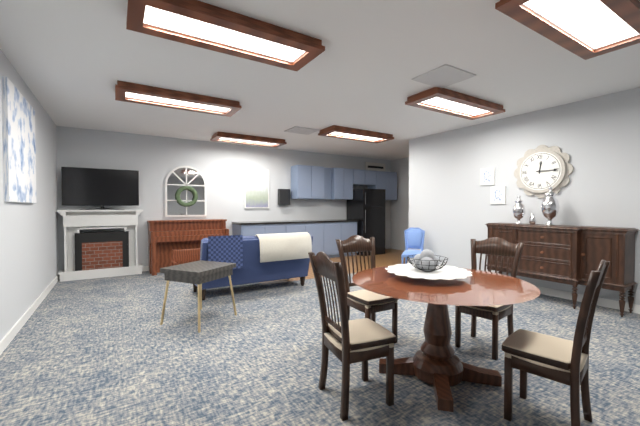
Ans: {"hour": 12, "minute": 15}
